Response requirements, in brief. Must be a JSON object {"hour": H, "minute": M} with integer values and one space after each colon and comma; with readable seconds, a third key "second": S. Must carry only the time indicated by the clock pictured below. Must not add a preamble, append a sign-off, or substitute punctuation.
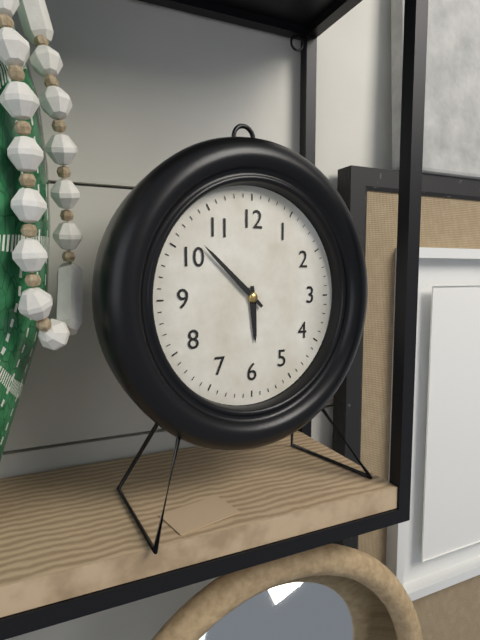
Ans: {"hour": 5, "minute": 52}
